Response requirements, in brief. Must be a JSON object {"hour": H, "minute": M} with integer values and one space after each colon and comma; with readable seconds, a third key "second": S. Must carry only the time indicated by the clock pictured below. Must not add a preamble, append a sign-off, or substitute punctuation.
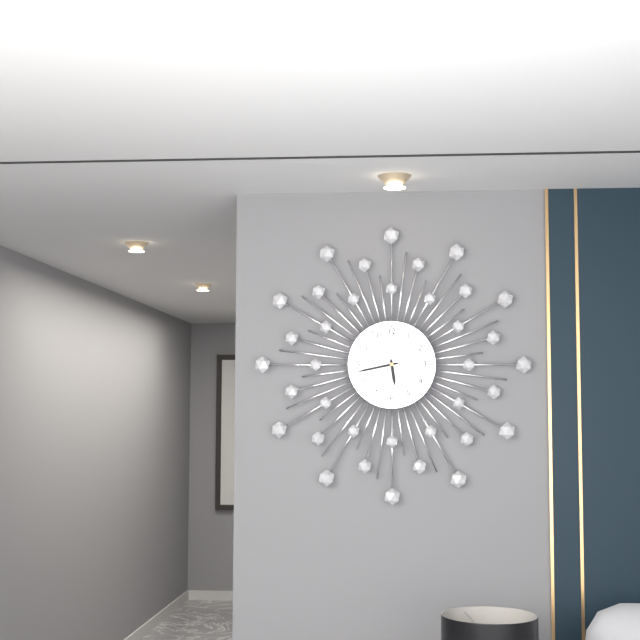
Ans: {"hour": 5, "minute": 43}
